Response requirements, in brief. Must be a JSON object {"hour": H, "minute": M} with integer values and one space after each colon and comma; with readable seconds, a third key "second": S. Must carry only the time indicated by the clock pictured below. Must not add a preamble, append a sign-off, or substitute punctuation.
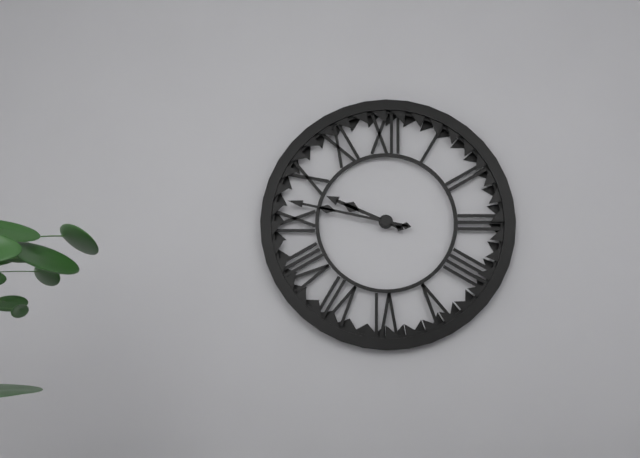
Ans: {"hour": 9, "minute": 47}
